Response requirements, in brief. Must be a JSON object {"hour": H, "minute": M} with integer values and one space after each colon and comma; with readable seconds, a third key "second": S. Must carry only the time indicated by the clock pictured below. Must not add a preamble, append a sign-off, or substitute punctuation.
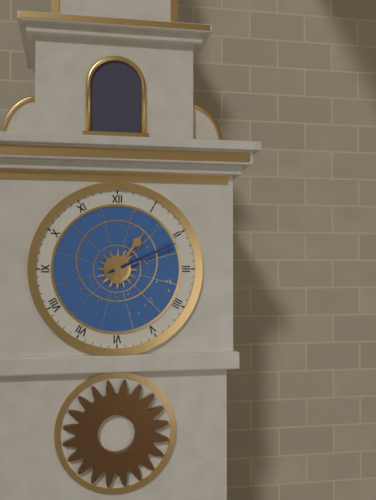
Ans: {"hour": 1, "minute": 11}
